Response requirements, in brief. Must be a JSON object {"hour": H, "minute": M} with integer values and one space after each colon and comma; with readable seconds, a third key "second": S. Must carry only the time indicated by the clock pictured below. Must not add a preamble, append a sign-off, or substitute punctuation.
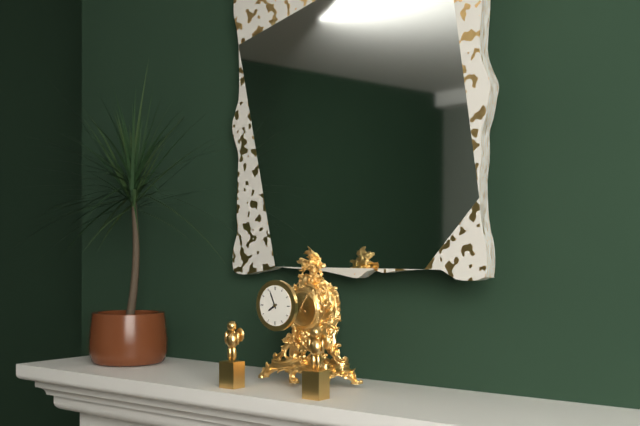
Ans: {"hour": 7, "minute": 56}
